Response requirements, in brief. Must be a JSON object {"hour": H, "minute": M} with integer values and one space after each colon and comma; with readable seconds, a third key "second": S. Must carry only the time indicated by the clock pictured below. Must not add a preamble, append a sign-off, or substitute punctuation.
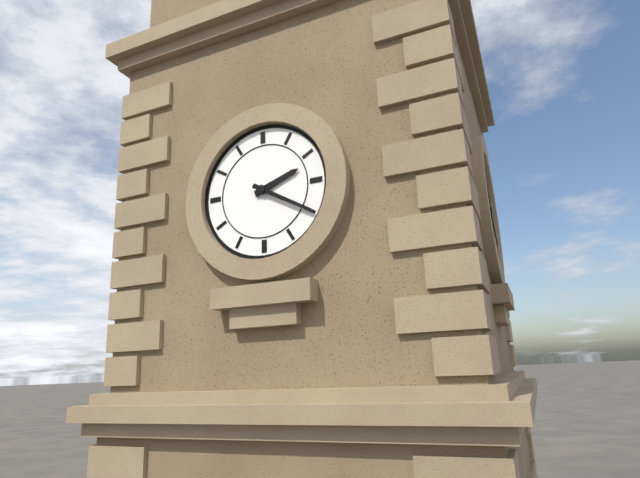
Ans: {"hour": 2, "minute": 20}
